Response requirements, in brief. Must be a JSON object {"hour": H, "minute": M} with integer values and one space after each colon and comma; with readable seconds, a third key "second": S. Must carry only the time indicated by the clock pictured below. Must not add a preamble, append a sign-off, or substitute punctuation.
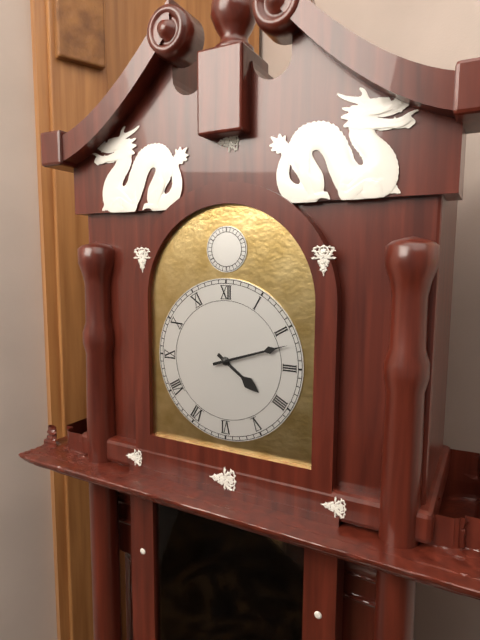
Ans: {"hour": 4, "minute": 12}
